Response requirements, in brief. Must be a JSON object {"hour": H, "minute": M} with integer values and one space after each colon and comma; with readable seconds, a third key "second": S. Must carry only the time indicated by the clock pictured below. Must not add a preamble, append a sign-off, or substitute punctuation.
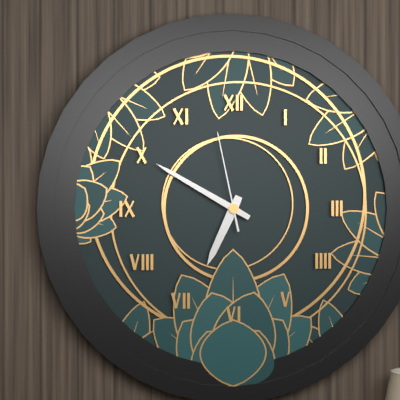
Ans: {"hour": 6, "minute": 50, "second": 58}
